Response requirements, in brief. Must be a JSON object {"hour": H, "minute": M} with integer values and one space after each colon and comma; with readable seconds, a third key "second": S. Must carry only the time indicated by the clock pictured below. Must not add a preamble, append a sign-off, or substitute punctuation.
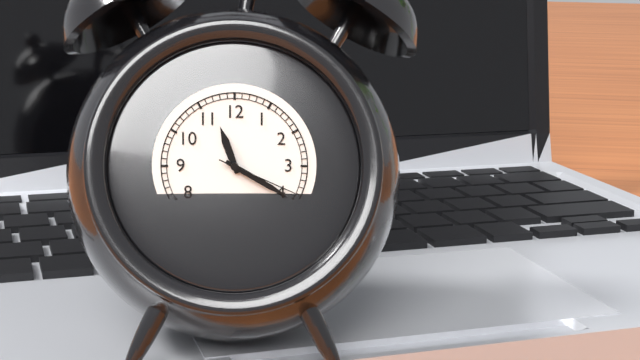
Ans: {"hour": 11, "minute": 20, "second": 19}
